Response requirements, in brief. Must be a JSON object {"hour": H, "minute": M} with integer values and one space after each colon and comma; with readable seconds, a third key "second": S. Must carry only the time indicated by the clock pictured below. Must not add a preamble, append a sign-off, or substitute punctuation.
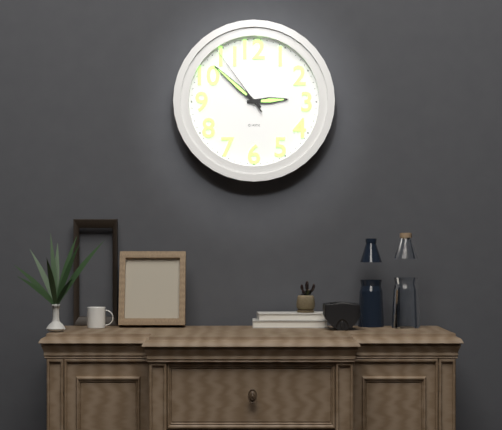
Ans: {"hour": 2, "minute": 52, "second": 54}
